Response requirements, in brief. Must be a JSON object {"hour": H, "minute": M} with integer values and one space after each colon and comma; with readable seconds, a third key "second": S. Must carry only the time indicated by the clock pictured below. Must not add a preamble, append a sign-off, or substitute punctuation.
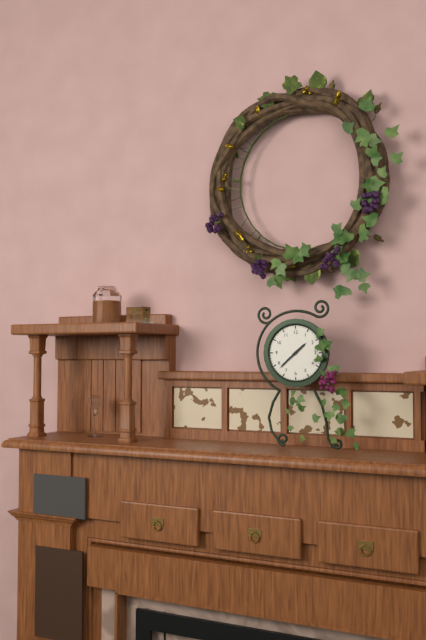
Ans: {"hour": 1, "minute": 38}
